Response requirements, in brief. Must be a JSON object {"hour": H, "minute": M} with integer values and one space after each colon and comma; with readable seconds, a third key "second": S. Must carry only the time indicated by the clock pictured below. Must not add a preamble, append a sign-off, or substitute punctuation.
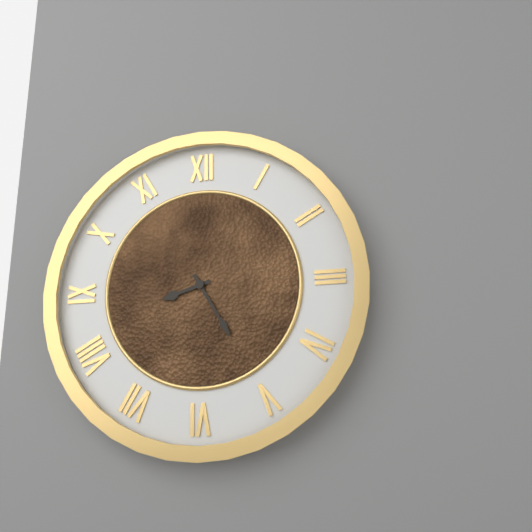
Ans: {"hour": 8, "minute": 25}
